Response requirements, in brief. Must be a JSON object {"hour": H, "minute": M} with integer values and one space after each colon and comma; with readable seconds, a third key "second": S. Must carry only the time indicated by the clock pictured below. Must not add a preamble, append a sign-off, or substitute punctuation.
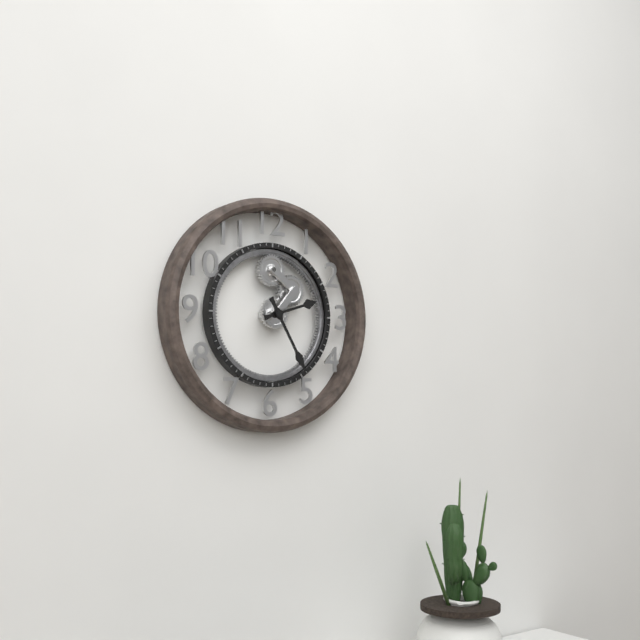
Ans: {"hour": 2, "minute": 25}
